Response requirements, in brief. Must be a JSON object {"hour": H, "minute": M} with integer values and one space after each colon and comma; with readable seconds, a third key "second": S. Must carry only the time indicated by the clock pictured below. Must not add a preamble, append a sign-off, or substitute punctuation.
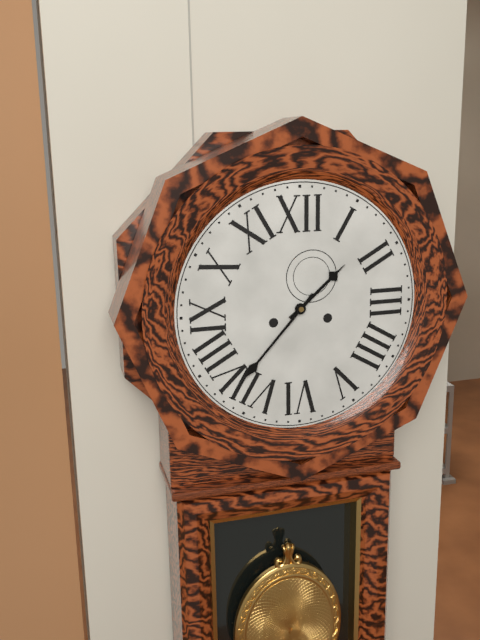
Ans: {"hour": 1, "minute": 37}
